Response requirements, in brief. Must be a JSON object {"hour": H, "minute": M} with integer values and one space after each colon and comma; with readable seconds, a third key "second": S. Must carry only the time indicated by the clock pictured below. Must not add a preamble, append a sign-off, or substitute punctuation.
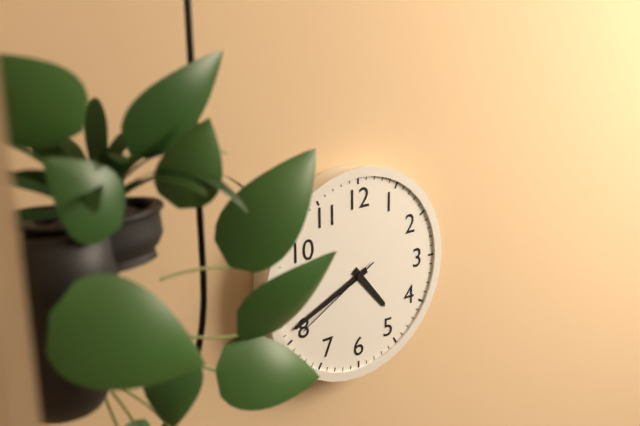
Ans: {"hour": 4, "minute": 41, "second": 40}
